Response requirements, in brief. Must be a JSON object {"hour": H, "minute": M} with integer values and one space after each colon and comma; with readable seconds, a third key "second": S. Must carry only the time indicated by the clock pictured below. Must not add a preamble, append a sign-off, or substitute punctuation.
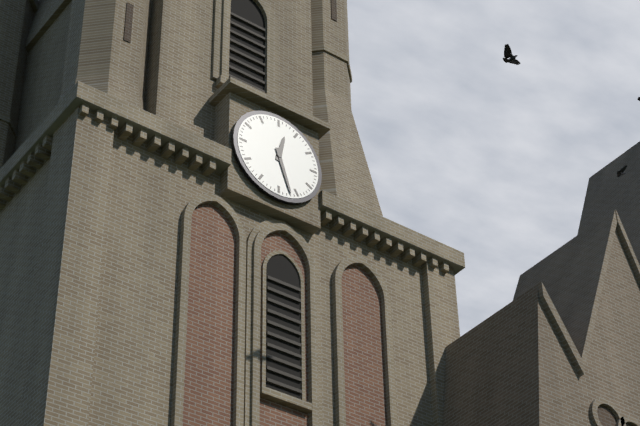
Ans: {"hour": 12, "minute": 27}
